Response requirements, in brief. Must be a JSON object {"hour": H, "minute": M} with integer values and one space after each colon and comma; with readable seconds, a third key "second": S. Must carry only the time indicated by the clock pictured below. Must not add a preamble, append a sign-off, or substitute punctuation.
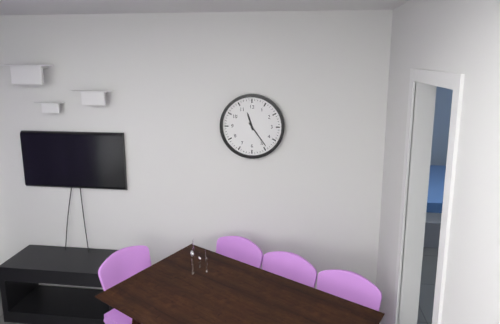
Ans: {"hour": 11, "minute": 24}
